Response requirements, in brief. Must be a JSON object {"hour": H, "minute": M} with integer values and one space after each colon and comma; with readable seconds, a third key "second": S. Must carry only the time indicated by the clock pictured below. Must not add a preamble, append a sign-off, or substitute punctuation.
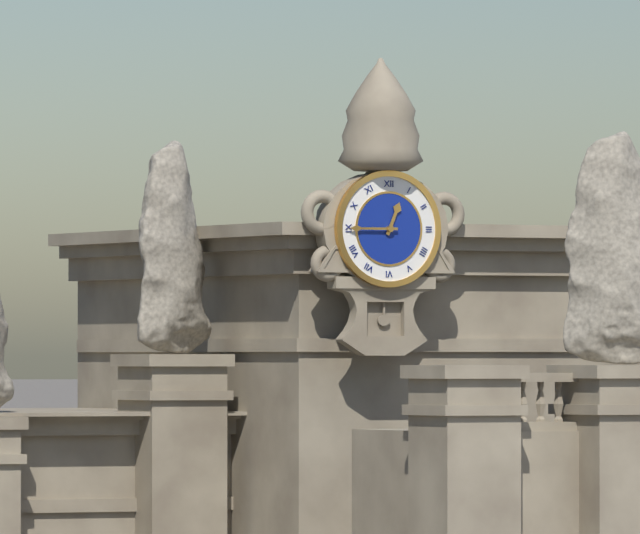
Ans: {"hour": 12, "minute": 45}
